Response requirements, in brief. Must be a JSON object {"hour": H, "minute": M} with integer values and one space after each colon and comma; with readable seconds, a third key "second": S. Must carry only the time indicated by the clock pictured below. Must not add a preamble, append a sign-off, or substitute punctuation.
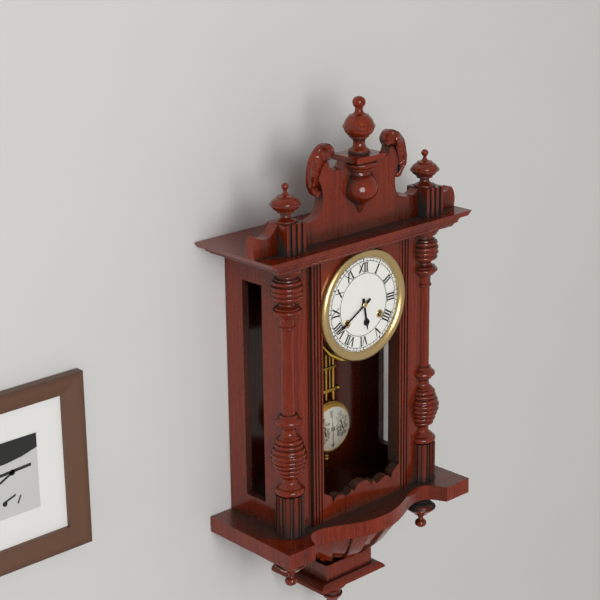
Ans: {"hour": 5, "minute": 40}
